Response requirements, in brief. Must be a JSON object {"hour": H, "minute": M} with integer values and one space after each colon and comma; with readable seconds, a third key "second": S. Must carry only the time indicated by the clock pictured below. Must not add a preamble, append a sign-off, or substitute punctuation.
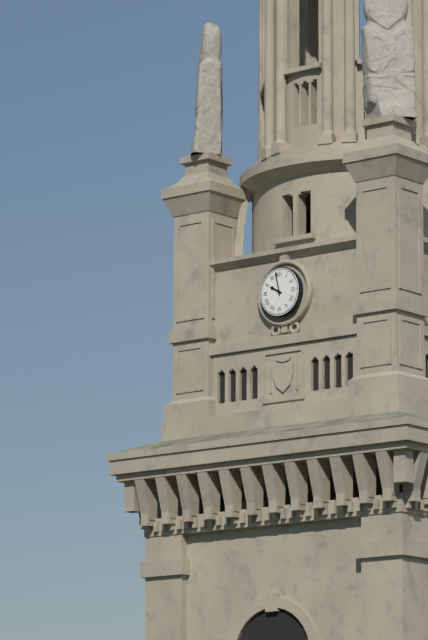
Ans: {"hour": 9, "minute": 58}
